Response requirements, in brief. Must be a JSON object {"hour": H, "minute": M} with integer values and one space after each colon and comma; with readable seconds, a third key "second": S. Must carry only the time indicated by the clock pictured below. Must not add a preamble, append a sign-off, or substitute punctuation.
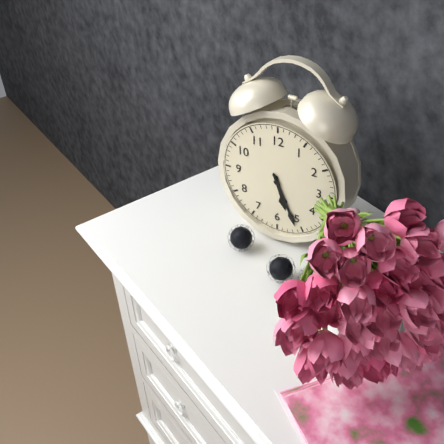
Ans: {"hour": 5, "minute": 26}
